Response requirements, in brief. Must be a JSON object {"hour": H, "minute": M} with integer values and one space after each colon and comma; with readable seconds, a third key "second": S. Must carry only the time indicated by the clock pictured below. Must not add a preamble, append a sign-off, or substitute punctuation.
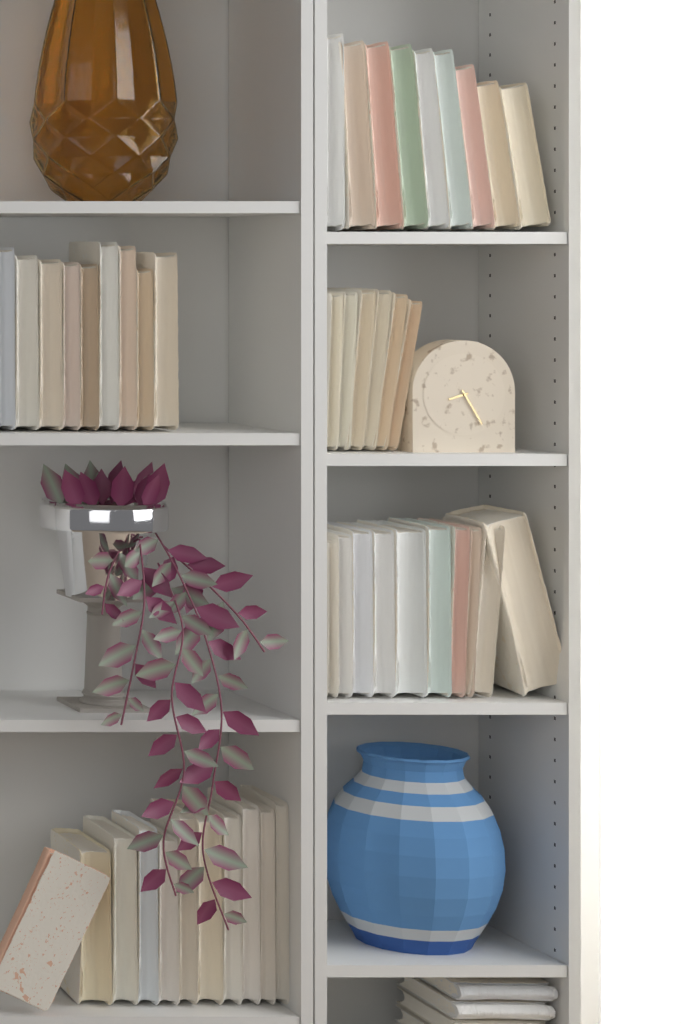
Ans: {"hour": 8, "minute": 25}
